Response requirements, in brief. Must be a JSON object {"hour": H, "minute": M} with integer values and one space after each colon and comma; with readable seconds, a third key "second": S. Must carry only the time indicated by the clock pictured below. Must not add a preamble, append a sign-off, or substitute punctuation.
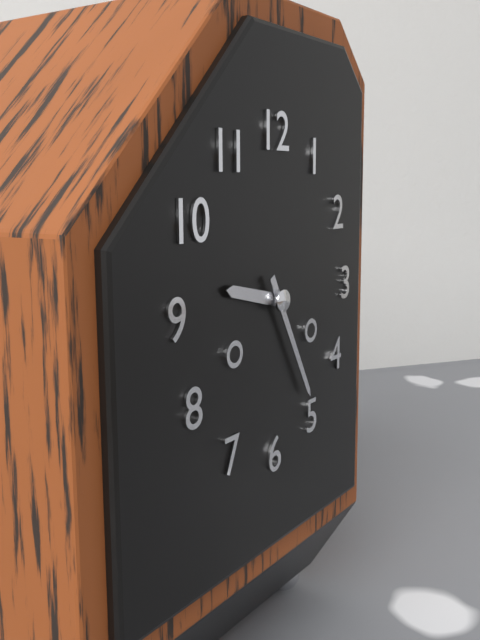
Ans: {"hour": 9, "minute": 25}
